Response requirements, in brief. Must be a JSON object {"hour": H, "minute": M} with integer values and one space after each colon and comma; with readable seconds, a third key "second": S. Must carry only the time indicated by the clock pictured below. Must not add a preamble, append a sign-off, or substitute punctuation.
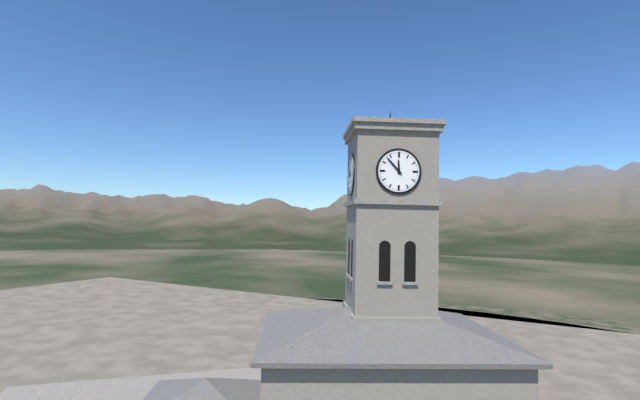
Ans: {"hour": 11, "minute": 53}
